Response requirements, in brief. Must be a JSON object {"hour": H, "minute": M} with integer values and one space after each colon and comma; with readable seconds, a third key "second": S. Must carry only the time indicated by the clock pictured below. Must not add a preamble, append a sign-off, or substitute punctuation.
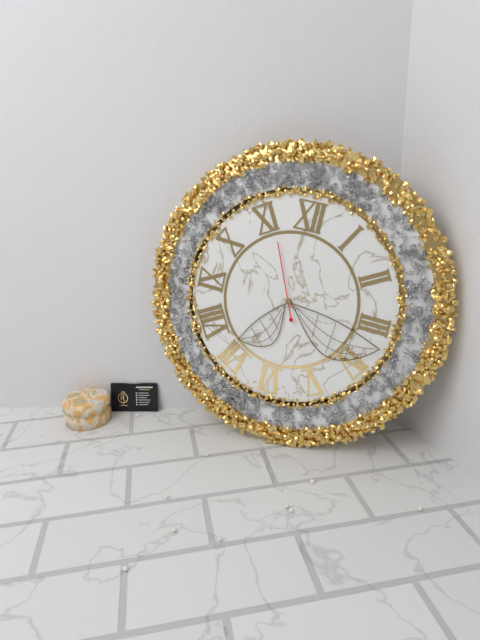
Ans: {"hour": 7, "minute": 17, "second": 56}
